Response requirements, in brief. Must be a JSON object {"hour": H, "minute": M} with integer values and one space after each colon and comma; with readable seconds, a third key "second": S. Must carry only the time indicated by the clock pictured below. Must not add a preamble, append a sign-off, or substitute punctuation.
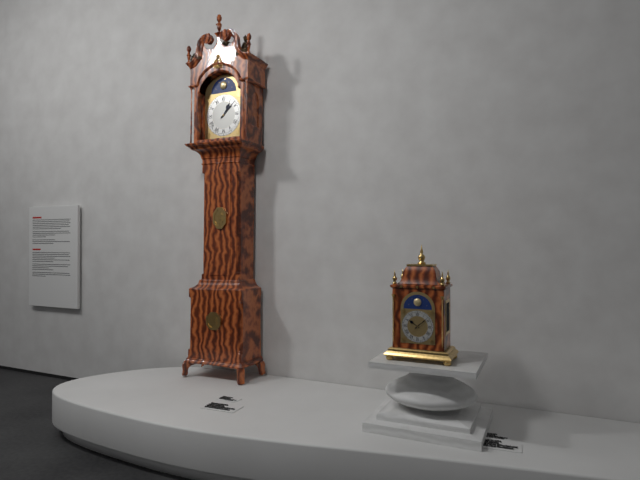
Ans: {"hour": 1, "minute": 8}
